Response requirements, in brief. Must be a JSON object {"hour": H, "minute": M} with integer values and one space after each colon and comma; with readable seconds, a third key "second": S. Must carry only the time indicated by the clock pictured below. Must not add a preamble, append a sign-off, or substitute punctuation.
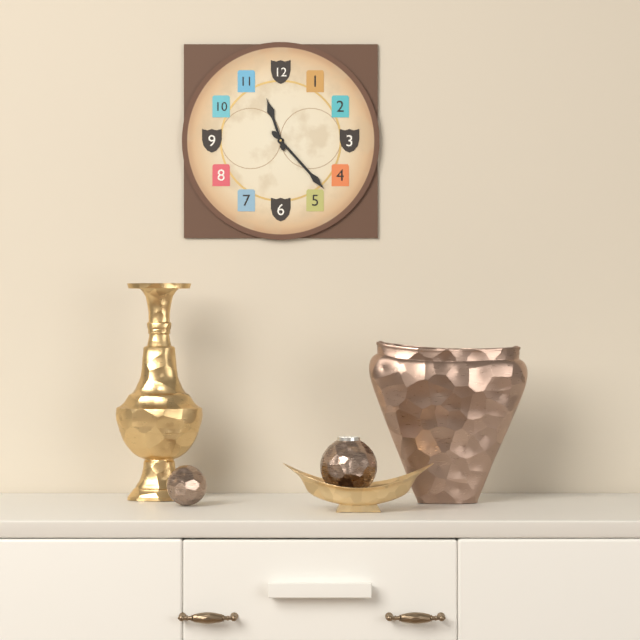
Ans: {"hour": 11, "minute": 23}
